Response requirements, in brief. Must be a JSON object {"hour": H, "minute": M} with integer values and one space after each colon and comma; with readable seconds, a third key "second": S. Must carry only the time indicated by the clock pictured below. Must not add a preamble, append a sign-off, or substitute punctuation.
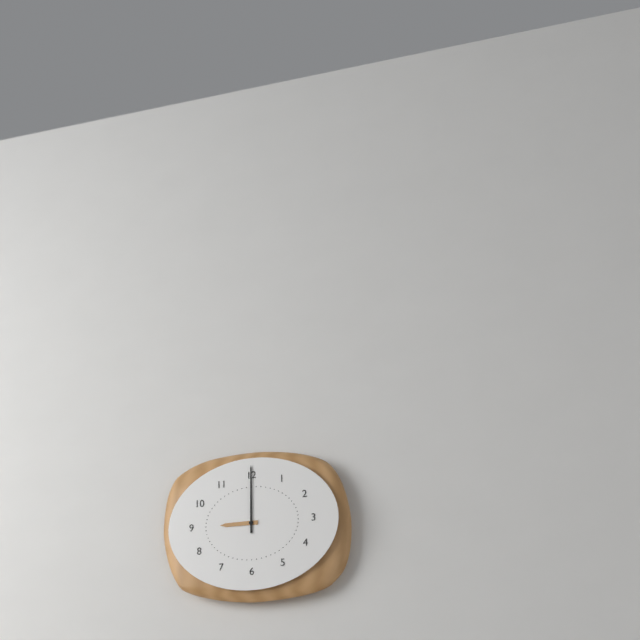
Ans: {"hour": 9, "minute": 0}
